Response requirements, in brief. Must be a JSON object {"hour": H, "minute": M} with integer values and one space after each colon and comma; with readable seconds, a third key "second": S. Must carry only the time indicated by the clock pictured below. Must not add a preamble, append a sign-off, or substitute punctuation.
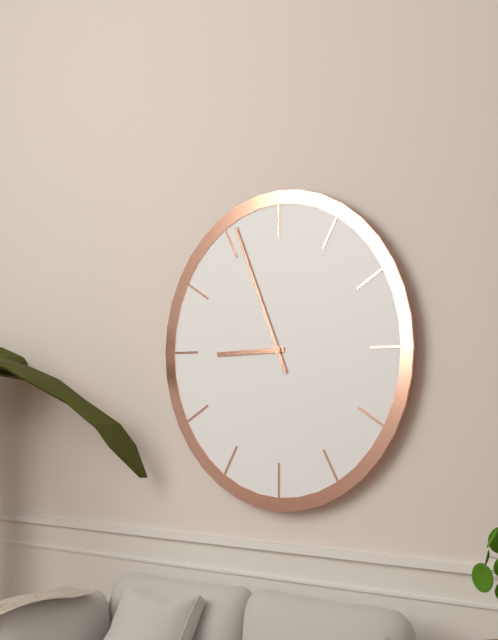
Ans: {"hour": 8, "minute": 56}
